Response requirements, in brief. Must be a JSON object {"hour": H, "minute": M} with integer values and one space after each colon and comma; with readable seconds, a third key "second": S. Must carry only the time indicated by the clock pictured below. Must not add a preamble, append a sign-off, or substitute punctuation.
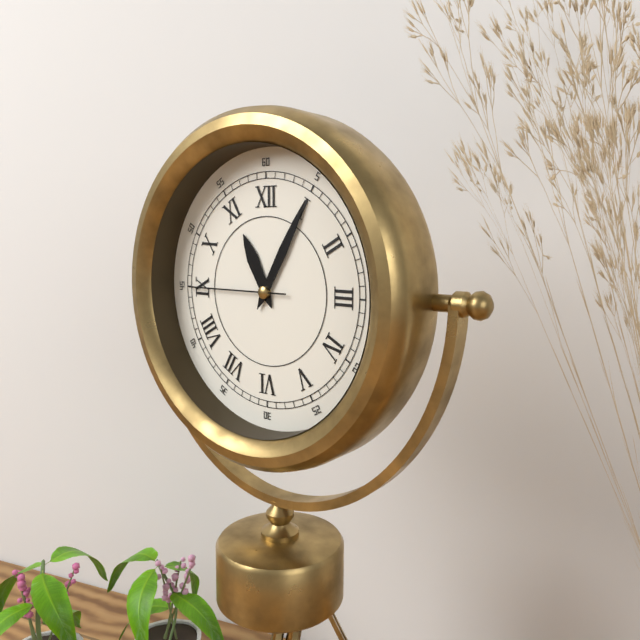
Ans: {"hour": 11, "minute": 5, "second": 45}
